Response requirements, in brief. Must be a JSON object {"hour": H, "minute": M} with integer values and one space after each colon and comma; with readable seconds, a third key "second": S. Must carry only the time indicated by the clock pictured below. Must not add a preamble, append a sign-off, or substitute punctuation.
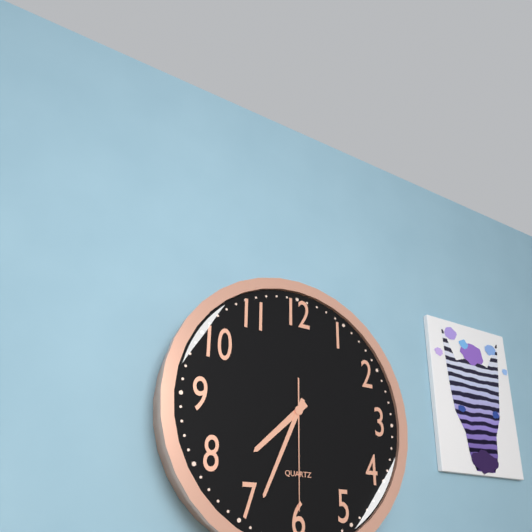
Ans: {"hour": 7, "minute": 34, "second": 30}
